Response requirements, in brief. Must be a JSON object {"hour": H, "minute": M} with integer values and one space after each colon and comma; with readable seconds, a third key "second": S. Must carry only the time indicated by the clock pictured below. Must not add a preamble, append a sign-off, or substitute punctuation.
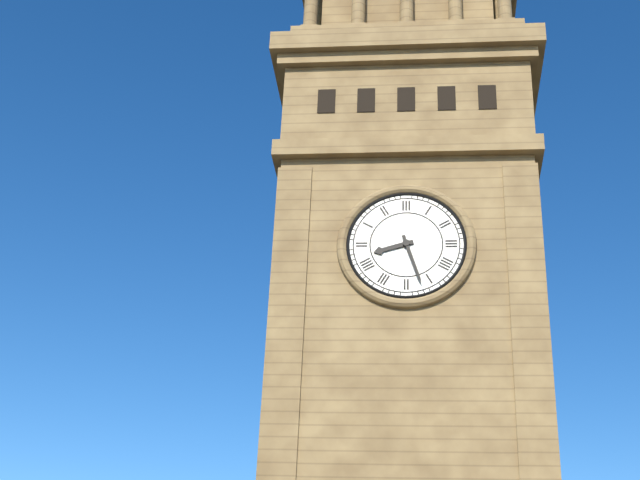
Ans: {"hour": 8, "minute": 27}
